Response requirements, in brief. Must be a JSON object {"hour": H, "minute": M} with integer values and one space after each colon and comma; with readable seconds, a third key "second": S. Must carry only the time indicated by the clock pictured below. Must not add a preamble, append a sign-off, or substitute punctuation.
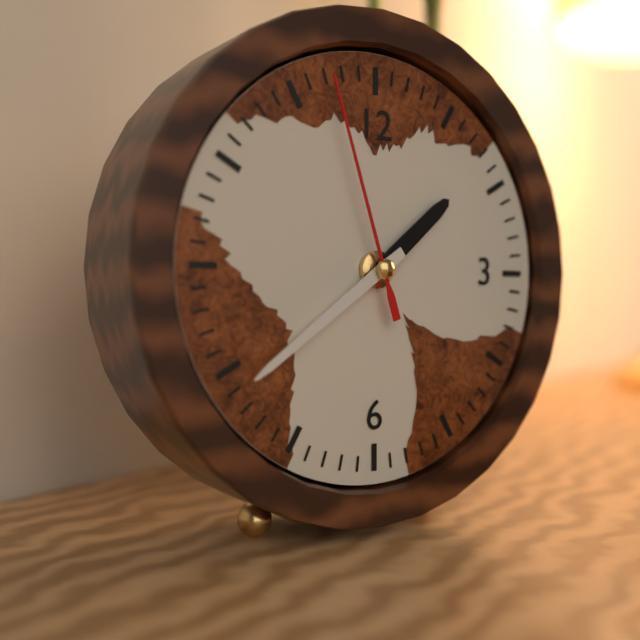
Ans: {"hour": 1, "minute": 39, "second": 57}
